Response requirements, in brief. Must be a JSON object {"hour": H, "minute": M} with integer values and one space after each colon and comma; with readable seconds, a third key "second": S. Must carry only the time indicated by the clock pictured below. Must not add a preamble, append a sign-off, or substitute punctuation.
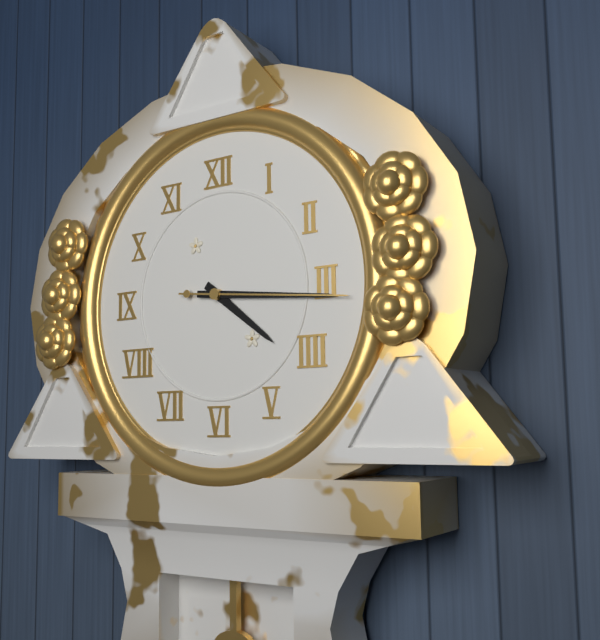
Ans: {"hour": 4, "minute": 16, "second": 16}
